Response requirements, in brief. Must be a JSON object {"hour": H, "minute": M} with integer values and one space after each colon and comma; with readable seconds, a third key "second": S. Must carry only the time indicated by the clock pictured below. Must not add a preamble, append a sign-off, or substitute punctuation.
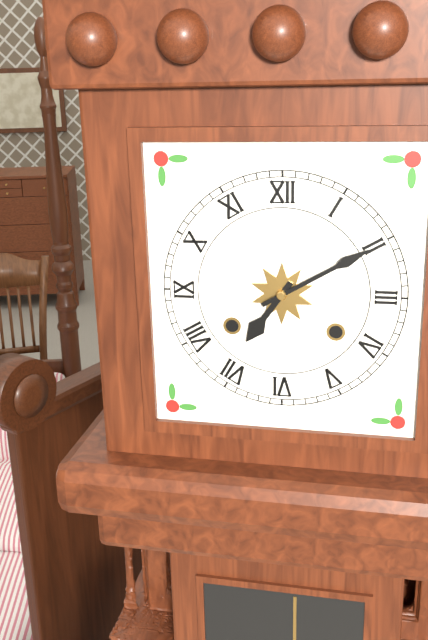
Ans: {"hour": 7, "minute": 10}
